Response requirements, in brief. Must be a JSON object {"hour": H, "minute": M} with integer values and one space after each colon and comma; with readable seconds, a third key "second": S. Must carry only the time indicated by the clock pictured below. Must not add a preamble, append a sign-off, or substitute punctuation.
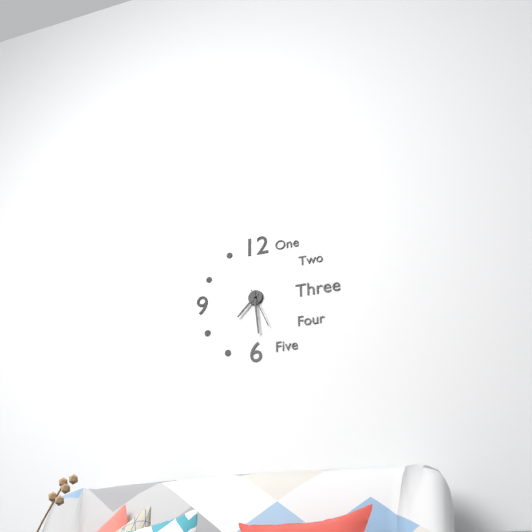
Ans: {"hour": 7, "minute": 29}
